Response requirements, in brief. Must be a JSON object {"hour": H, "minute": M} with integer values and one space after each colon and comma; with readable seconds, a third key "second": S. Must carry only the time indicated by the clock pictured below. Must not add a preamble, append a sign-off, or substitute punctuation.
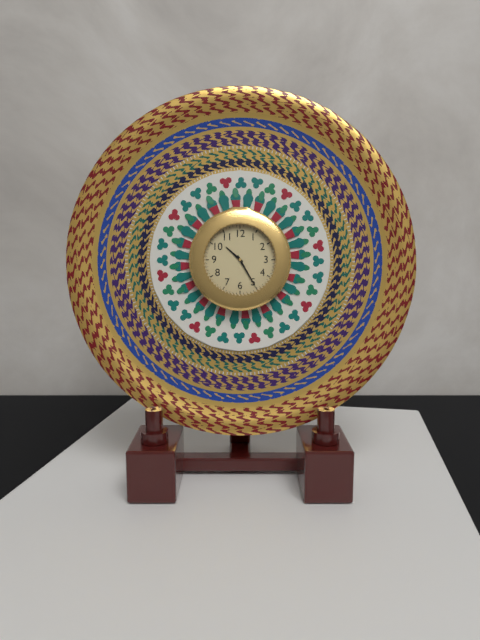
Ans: {"hour": 10, "minute": 25}
